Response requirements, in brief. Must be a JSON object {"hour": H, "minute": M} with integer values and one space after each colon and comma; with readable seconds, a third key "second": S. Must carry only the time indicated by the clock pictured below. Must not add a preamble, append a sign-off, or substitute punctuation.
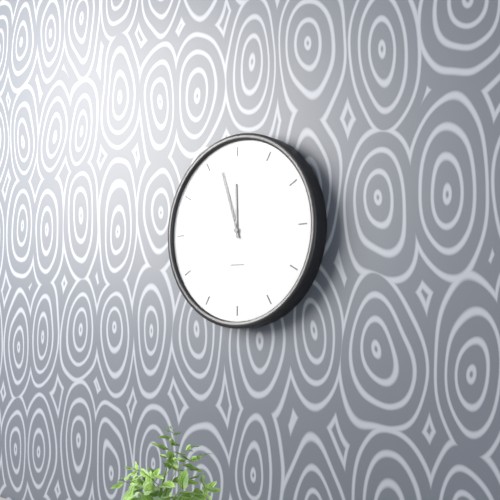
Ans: {"hour": 11, "minute": 57}
